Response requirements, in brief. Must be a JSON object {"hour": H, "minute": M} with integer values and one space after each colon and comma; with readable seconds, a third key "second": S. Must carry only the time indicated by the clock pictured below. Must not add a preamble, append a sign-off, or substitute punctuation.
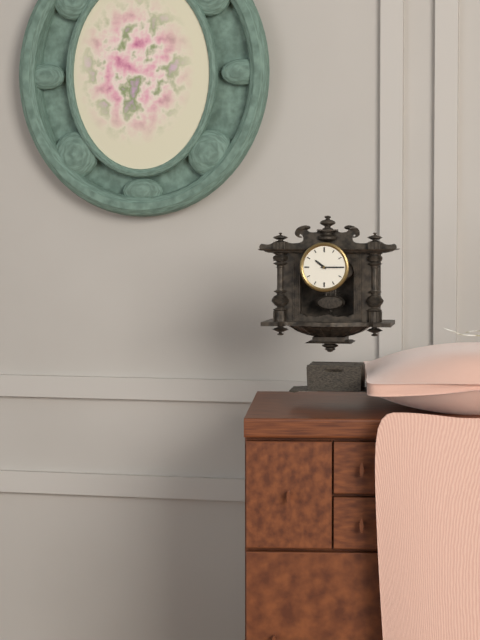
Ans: {"hour": 10, "minute": 15}
